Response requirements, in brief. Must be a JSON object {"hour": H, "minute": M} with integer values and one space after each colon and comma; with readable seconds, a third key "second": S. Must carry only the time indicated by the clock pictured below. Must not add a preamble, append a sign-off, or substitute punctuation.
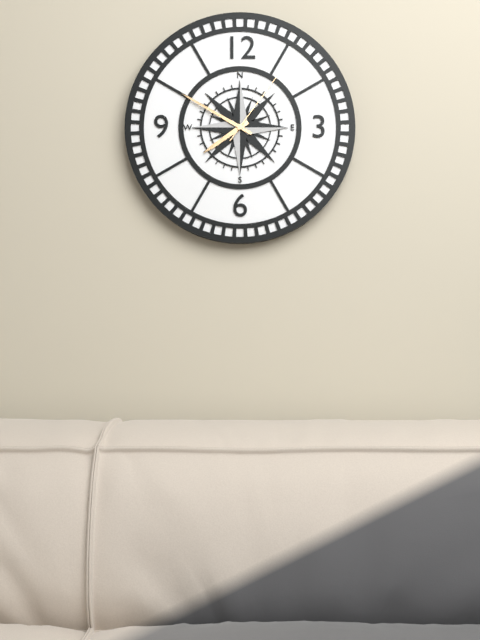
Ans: {"hour": 7, "minute": 50, "second": 6}
